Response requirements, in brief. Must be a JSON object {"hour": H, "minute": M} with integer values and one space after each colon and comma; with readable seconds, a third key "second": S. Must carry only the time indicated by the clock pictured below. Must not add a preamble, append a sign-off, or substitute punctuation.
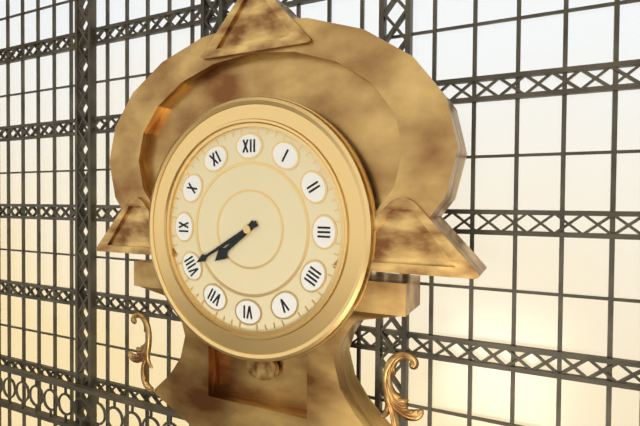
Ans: {"hour": 7, "minute": 40}
